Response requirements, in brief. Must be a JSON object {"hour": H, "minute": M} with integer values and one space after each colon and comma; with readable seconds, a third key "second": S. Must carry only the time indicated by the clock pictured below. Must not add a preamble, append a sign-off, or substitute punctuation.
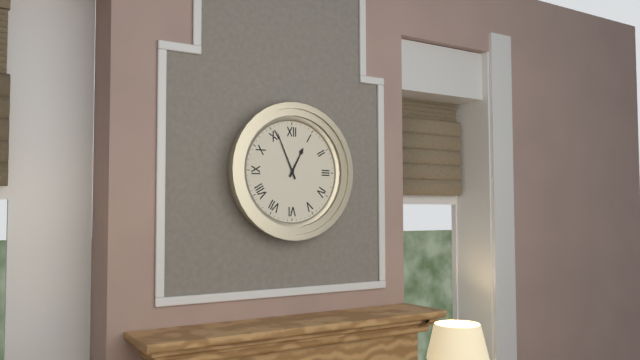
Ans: {"hour": 12, "minute": 56}
